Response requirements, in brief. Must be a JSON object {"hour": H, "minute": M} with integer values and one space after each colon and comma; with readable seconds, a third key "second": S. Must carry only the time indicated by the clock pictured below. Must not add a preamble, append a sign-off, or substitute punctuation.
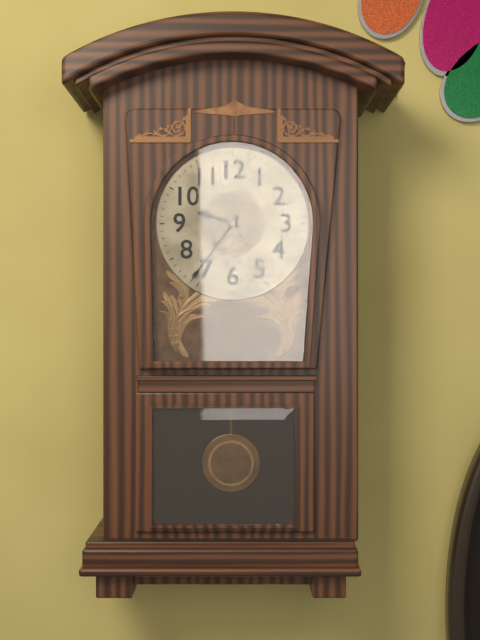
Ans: {"hour": 9, "minute": 36}
